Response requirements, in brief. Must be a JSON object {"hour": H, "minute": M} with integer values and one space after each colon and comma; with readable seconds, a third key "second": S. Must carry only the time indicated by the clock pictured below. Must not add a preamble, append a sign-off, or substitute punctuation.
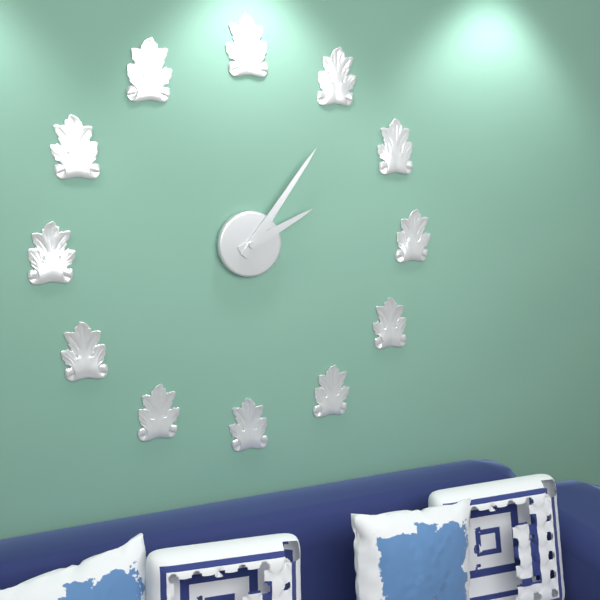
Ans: {"hour": 2, "minute": 6}
